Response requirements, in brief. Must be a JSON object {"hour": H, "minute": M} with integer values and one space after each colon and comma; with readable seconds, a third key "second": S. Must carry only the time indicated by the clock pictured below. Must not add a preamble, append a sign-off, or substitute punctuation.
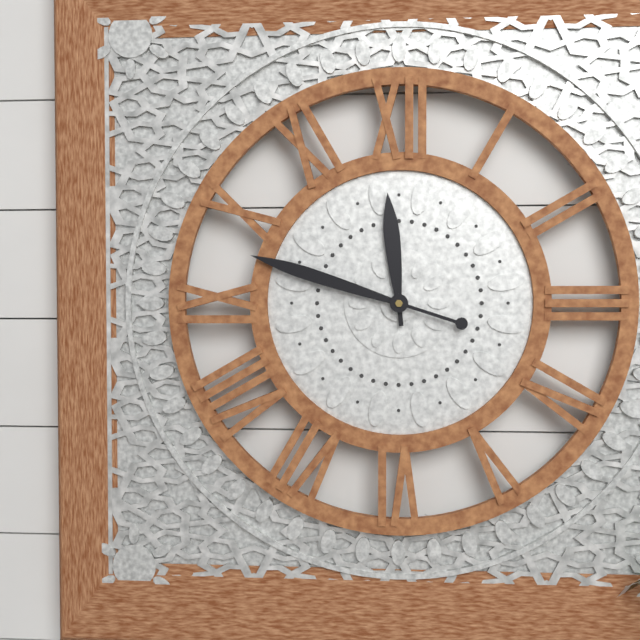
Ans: {"hour": 11, "minute": 48}
